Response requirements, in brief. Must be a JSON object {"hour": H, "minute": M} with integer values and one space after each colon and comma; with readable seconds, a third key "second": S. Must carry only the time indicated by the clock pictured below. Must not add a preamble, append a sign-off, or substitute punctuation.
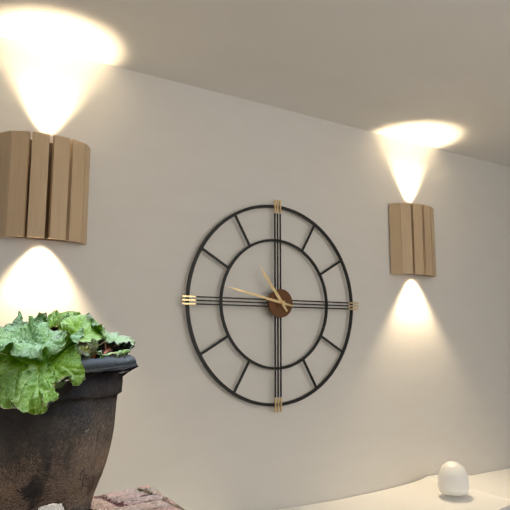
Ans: {"hour": 10, "minute": 47}
